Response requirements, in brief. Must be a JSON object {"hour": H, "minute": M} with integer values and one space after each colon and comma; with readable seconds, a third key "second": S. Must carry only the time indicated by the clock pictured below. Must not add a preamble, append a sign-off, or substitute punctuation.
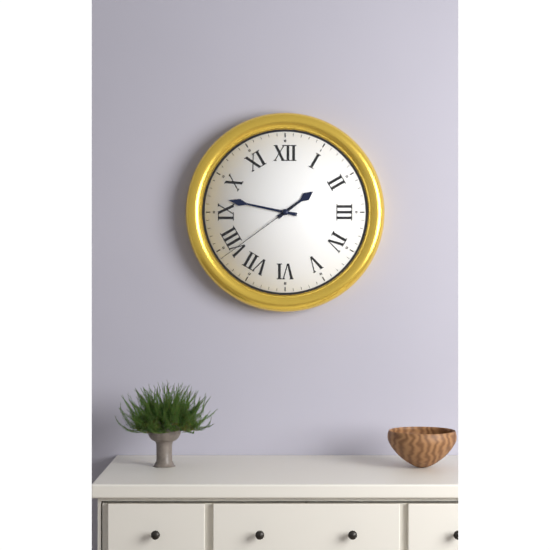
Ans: {"hour": 1, "minute": 47, "second": 39}
